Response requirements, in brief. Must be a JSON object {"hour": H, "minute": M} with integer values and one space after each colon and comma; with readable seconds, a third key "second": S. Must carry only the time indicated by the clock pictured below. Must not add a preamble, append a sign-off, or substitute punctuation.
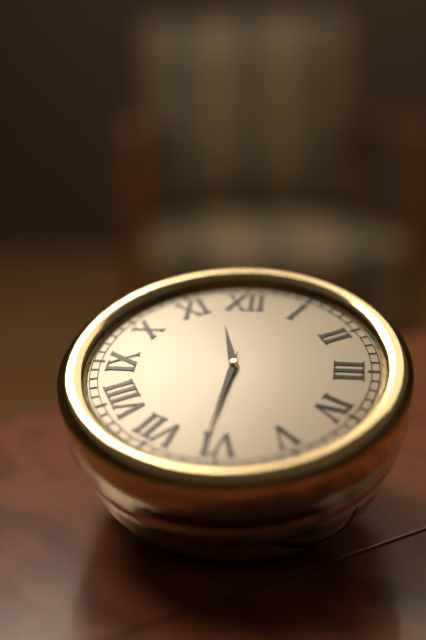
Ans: {"hour": 11, "minute": 31}
